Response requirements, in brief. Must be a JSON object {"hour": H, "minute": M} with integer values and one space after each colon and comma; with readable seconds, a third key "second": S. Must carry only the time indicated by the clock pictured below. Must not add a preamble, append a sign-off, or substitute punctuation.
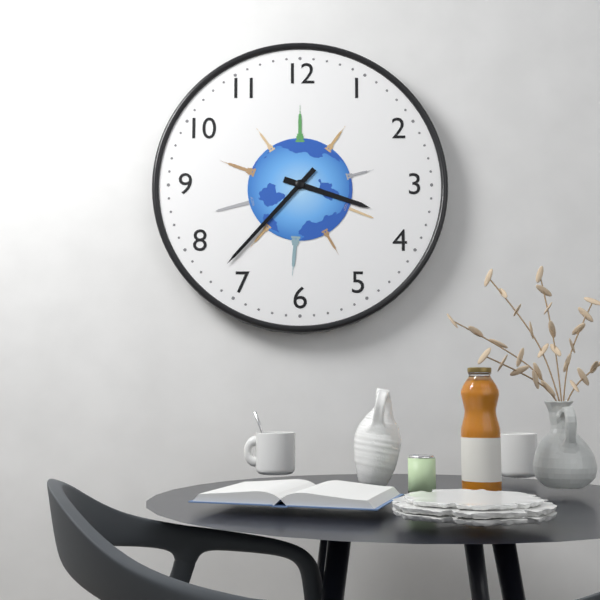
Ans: {"hour": 3, "minute": 37}
